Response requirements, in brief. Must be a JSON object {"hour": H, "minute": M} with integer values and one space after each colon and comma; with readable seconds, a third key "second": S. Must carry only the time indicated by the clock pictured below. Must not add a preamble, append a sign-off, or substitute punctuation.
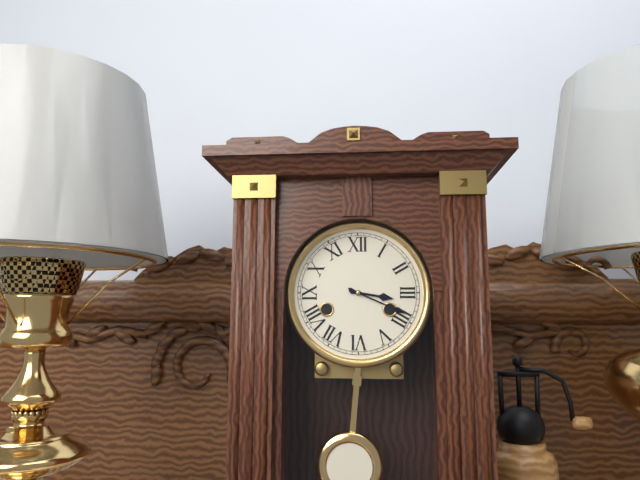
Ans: {"hour": 3, "minute": 19}
